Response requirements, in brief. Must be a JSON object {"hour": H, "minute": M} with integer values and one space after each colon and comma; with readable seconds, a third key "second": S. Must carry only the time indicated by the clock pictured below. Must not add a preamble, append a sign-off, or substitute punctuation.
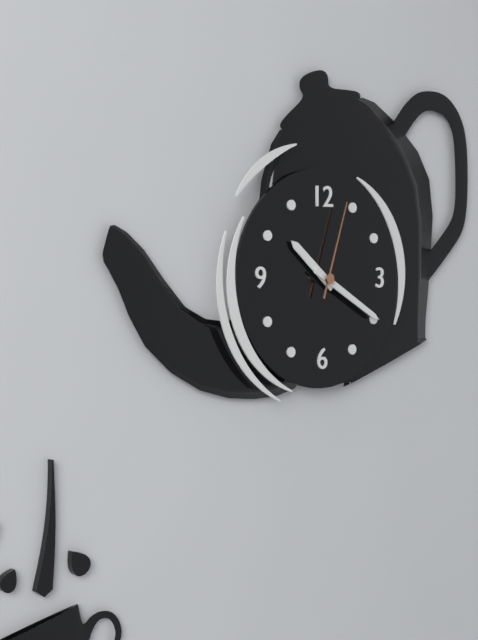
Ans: {"hour": 10, "minute": 20, "second": 3}
